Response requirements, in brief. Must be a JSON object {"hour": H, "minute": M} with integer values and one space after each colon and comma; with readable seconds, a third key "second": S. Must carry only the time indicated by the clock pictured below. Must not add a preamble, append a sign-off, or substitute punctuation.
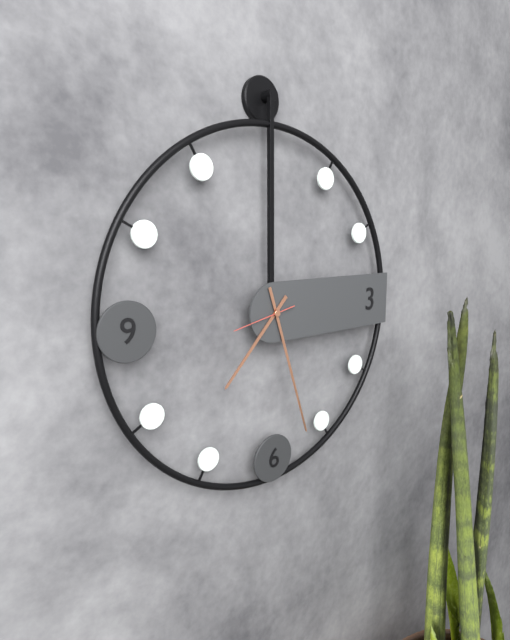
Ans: {"hour": 7, "minute": 27, "second": 43}
